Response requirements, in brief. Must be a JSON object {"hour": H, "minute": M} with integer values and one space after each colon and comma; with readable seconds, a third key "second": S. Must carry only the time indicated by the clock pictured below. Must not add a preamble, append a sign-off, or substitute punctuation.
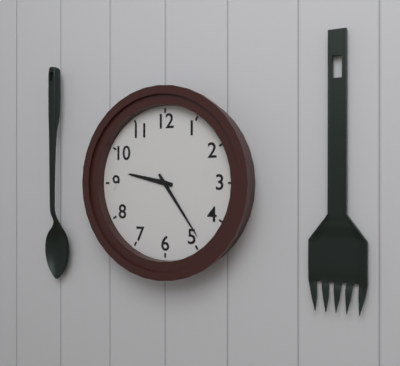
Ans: {"hour": 9, "minute": 24}
